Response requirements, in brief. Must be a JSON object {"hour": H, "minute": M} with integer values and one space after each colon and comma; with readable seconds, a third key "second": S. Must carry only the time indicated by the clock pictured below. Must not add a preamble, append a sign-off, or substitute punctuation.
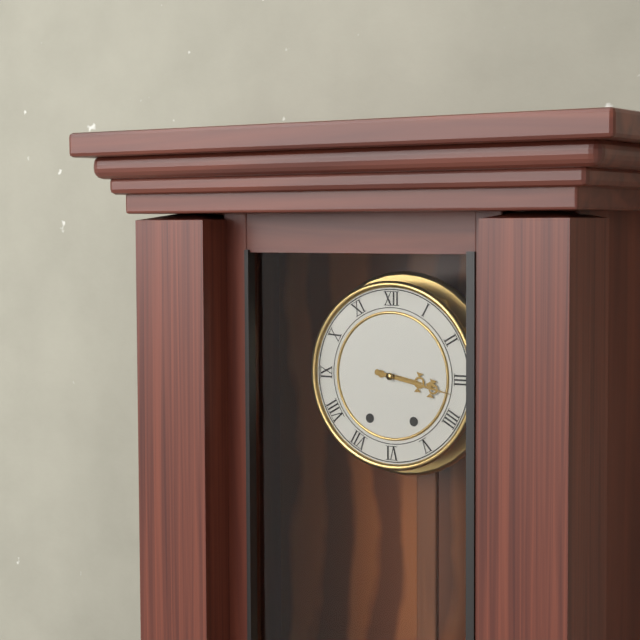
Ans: {"hour": 3, "minute": 17}
